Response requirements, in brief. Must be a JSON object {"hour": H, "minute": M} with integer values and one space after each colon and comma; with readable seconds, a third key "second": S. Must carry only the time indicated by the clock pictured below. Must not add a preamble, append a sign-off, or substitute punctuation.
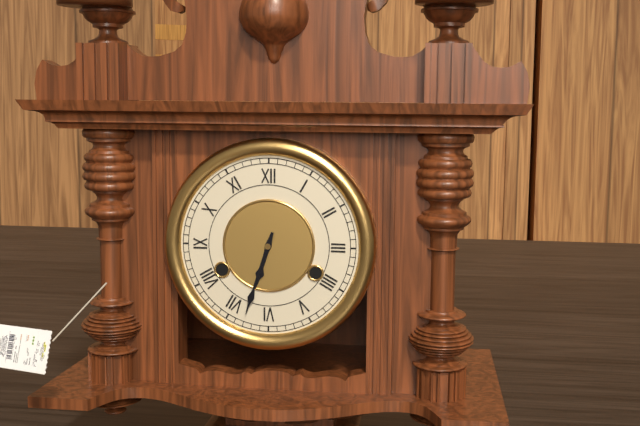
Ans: {"hour": 6, "minute": 33}
